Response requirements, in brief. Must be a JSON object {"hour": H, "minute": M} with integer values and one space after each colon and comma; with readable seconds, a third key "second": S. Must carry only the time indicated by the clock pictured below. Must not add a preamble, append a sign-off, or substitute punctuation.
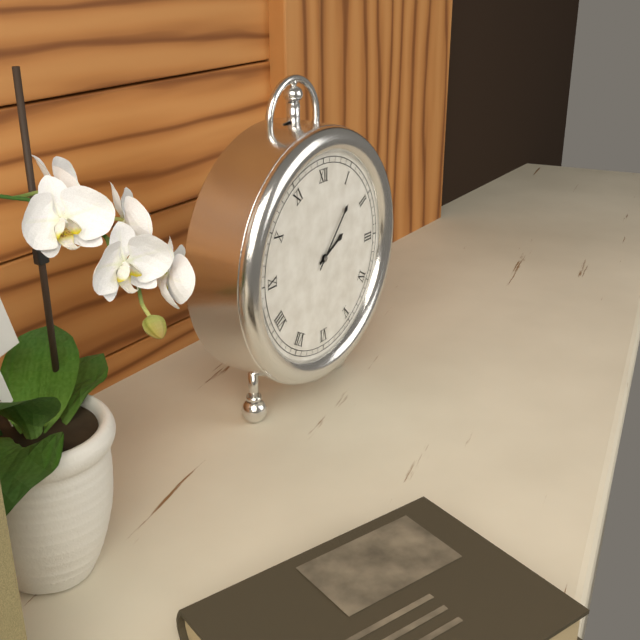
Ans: {"hour": 2, "minute": 7}
